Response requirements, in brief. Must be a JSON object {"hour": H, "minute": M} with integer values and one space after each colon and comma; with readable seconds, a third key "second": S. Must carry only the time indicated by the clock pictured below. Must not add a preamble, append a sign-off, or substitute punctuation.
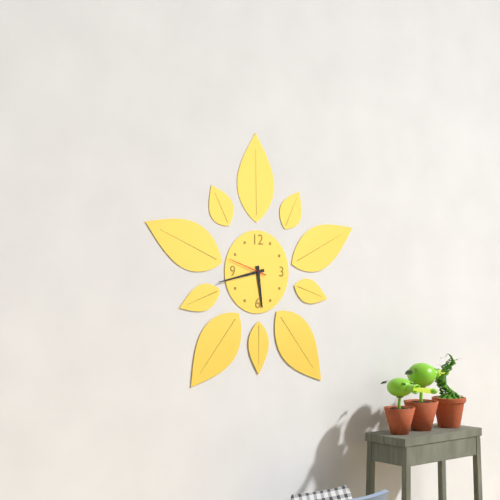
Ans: {"hour": 5, "minute": 43}
